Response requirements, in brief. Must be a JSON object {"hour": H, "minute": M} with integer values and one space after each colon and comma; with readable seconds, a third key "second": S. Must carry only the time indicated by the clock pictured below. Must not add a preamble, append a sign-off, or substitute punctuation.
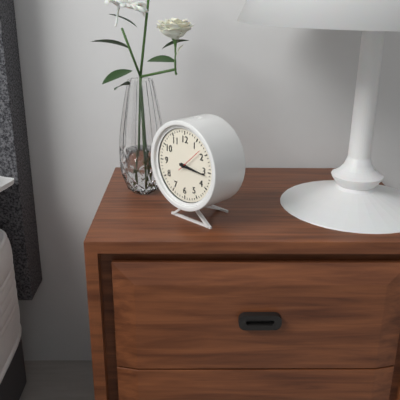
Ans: {"hour": 3, "minute": 16}
